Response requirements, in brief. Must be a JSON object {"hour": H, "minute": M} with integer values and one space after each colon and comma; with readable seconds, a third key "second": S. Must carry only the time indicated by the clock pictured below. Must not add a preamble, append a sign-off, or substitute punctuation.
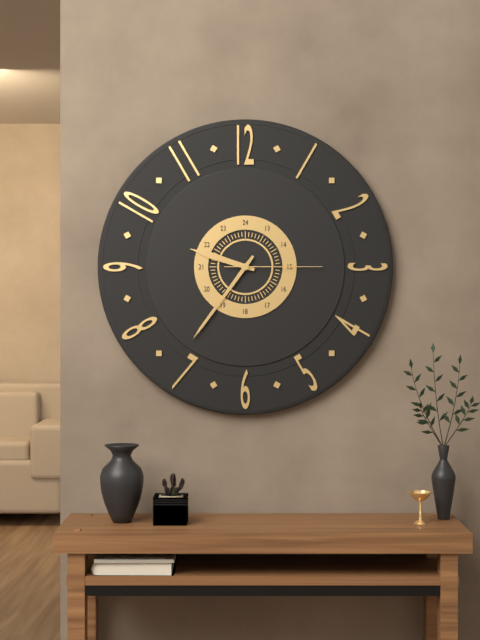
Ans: {"hour": 9, "minute": 36, "second": 15}
